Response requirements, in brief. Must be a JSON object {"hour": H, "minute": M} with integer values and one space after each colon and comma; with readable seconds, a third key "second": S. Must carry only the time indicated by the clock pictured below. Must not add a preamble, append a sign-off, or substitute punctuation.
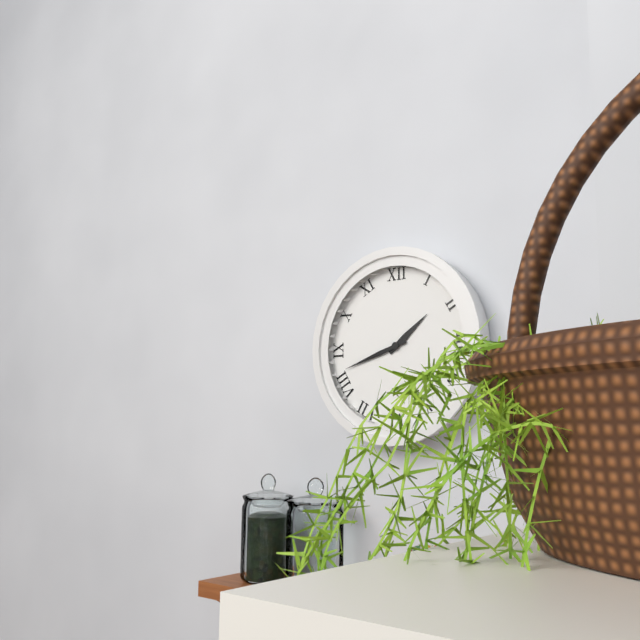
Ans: {"hour": 1, "minute": 42}
